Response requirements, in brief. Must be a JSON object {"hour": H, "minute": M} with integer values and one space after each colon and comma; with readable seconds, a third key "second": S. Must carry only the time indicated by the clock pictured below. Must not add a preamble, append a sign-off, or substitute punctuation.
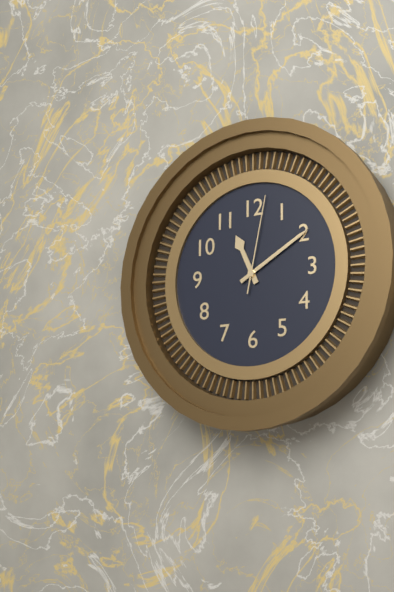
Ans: {"hour": 11, "minute": 10, "second": 2}
